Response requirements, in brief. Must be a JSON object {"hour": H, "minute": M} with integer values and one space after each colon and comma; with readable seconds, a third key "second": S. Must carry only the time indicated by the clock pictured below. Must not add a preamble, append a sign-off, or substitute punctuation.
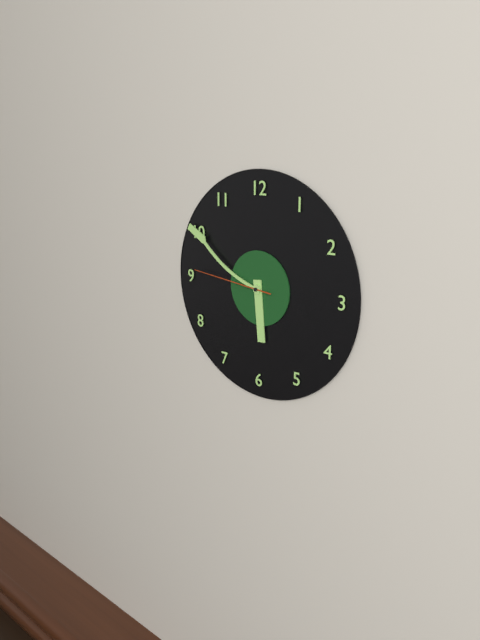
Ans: {"hour": 5, "minute": 50, "second": 46}
